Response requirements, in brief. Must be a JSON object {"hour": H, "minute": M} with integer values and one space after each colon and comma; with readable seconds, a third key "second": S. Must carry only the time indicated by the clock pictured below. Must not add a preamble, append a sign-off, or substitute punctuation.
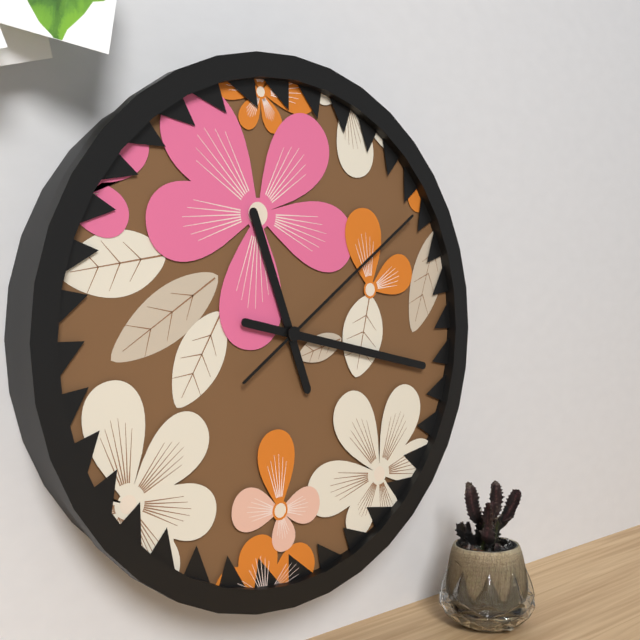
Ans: {"hour": 11, "minute": 17, "second": 9}
